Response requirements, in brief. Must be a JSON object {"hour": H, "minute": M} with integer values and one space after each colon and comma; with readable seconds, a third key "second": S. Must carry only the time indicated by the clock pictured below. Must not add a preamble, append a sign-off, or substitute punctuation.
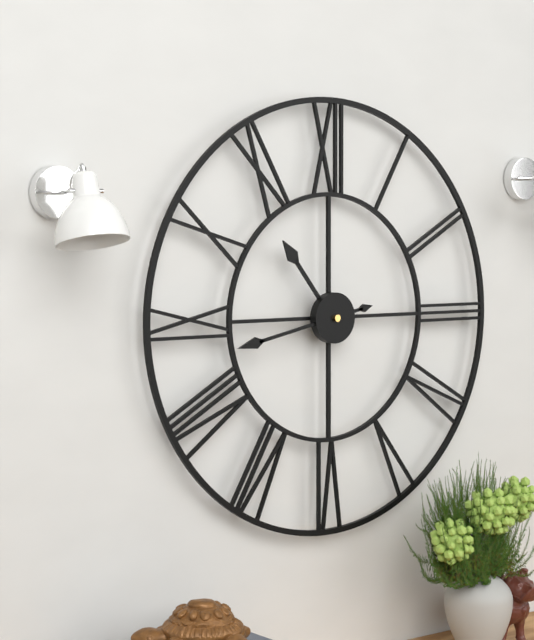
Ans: {"hour": 10, "minute": 43}
